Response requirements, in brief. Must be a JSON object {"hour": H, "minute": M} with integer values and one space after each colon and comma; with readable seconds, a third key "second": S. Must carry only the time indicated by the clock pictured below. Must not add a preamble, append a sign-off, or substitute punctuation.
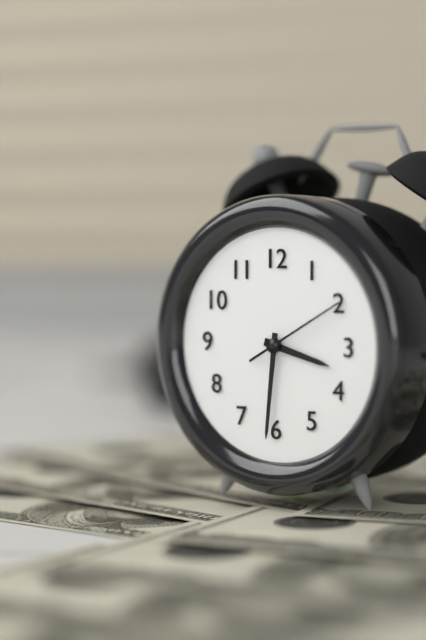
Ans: {"hour": 3, "minute": 31, "second": 10}
